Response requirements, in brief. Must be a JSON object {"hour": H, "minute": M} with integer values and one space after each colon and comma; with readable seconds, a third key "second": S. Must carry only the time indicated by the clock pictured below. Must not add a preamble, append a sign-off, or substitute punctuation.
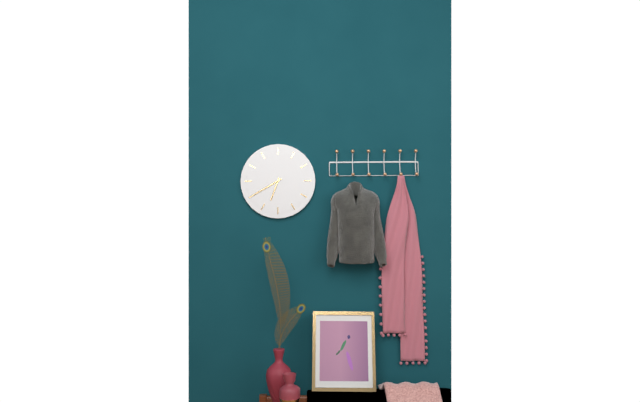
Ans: {"hour": 6, "minute": 40}
